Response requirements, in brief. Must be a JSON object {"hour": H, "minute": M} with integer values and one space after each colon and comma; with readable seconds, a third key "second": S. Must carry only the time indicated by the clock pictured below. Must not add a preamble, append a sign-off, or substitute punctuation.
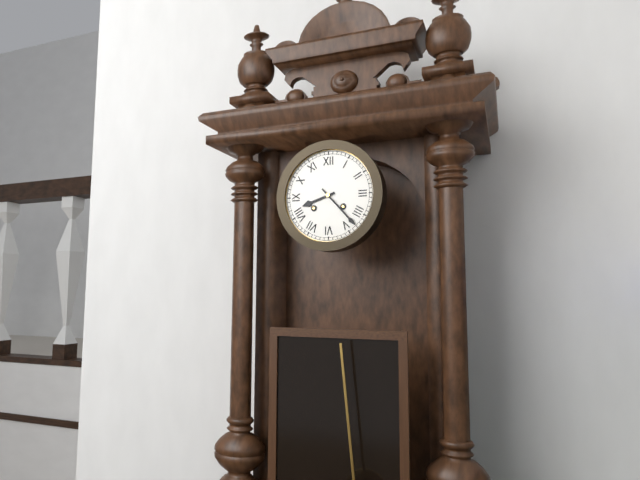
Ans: {"hour": 8, "minute": 23}
